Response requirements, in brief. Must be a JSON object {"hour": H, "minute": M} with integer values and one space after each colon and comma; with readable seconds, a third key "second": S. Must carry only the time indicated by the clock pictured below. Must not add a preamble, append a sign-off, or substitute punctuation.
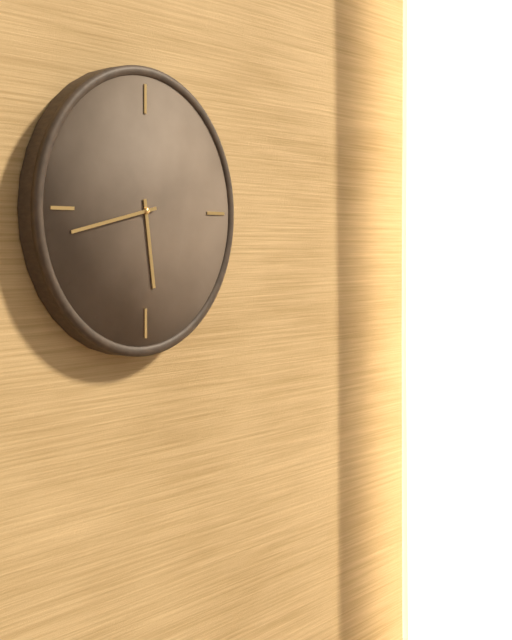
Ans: {"hour": 5, "minute": 43}
